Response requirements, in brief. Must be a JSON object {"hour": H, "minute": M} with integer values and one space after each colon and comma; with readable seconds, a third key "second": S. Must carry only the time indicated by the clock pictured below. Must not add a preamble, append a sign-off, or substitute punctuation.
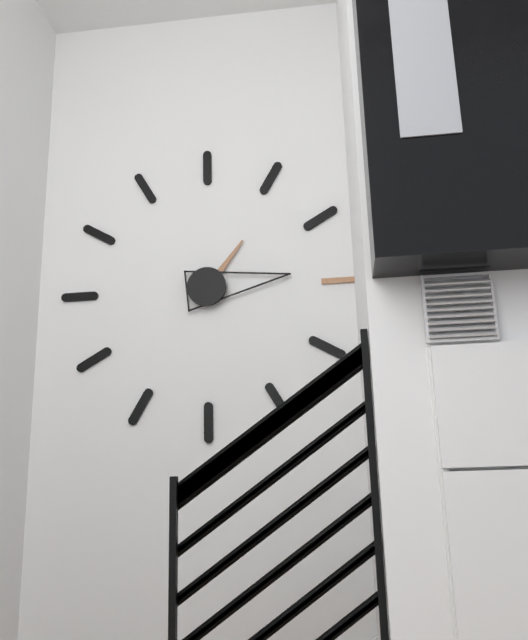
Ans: {"hour": 1, "minute": 14}
